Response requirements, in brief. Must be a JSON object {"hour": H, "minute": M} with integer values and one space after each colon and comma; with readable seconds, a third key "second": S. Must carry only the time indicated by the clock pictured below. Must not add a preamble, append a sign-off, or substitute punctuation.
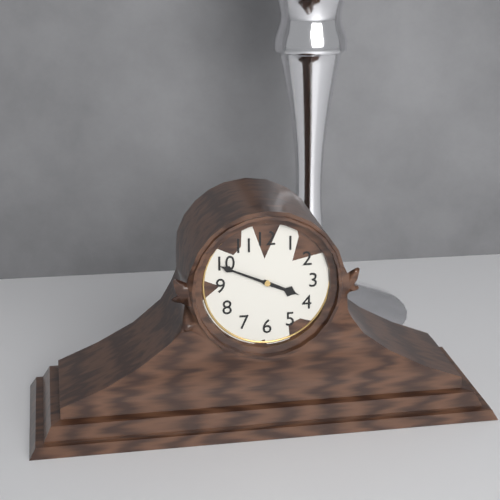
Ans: {"hour": 3, "minute": 49}
